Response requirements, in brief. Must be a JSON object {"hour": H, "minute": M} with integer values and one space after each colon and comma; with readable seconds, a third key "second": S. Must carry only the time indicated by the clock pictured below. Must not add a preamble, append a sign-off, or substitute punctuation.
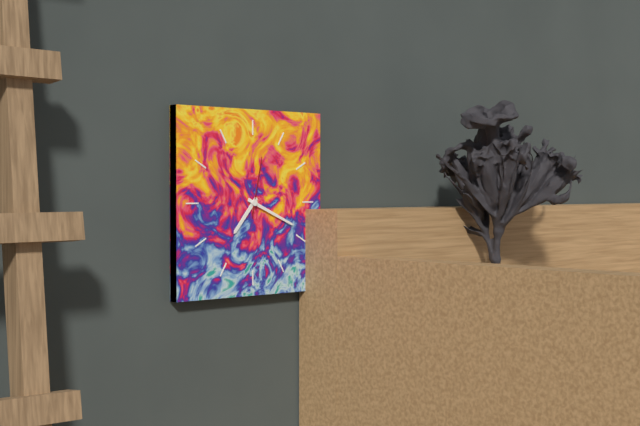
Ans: {"hour": 7, "minute": 19, "second": 2}
